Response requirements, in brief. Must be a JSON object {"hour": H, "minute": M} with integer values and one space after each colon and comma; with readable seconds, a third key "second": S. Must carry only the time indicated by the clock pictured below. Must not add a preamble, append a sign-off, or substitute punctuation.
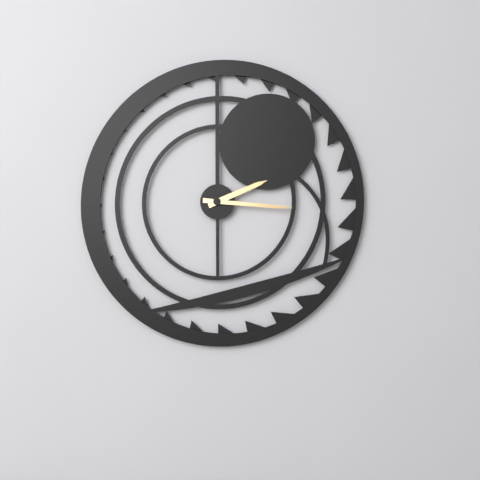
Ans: {"hour": 2, "minute": 16}
